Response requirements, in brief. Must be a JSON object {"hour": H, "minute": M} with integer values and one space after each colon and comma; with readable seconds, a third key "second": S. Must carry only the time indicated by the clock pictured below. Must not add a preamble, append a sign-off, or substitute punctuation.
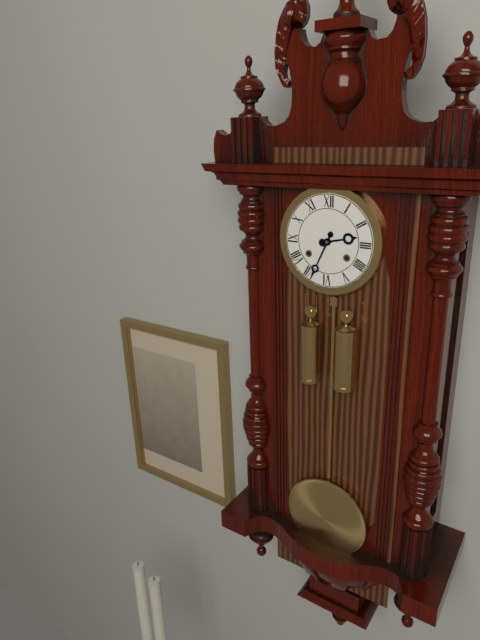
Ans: {"hour": 2, "minute": 34}
